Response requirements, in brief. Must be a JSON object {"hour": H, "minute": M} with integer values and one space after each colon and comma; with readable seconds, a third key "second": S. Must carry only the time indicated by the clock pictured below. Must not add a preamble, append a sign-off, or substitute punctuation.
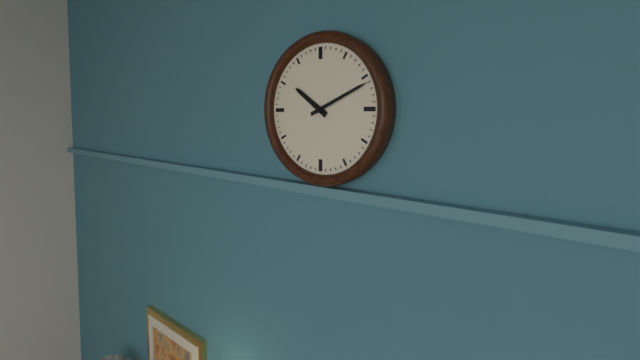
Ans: {"hour": 10, "minute": 11}
